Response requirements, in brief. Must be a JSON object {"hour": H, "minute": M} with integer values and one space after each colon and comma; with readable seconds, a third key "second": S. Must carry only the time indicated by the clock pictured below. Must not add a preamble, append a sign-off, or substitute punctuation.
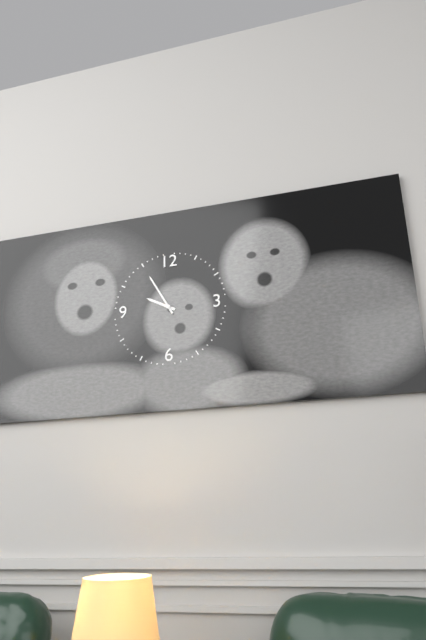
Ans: {"hour": 9, "minute": 55}
